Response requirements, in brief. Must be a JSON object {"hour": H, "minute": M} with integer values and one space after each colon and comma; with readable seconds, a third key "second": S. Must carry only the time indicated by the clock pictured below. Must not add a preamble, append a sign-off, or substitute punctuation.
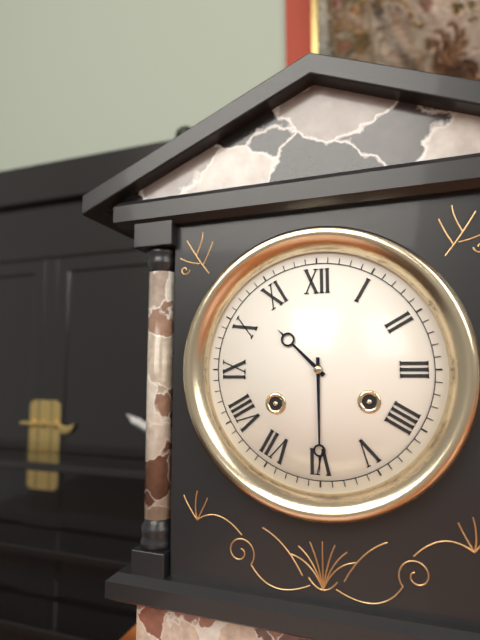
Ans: {"hour": 10, "minute": 30}
